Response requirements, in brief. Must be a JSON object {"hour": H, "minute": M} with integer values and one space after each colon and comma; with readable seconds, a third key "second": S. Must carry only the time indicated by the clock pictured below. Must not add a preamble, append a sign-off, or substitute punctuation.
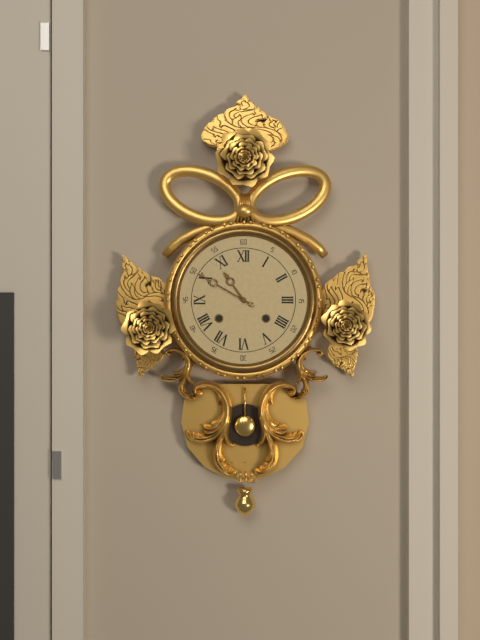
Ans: {"hour": 10, "minute": 50}
